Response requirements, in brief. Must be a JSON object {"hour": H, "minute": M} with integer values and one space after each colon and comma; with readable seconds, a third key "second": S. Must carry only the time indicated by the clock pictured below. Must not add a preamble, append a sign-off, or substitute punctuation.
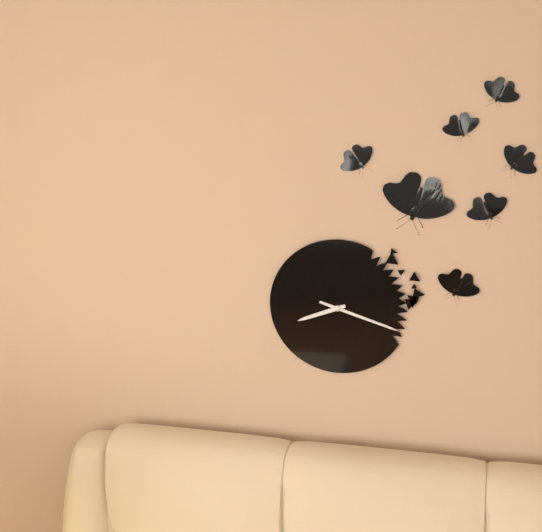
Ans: {"hour": 8, "minute": 18}
